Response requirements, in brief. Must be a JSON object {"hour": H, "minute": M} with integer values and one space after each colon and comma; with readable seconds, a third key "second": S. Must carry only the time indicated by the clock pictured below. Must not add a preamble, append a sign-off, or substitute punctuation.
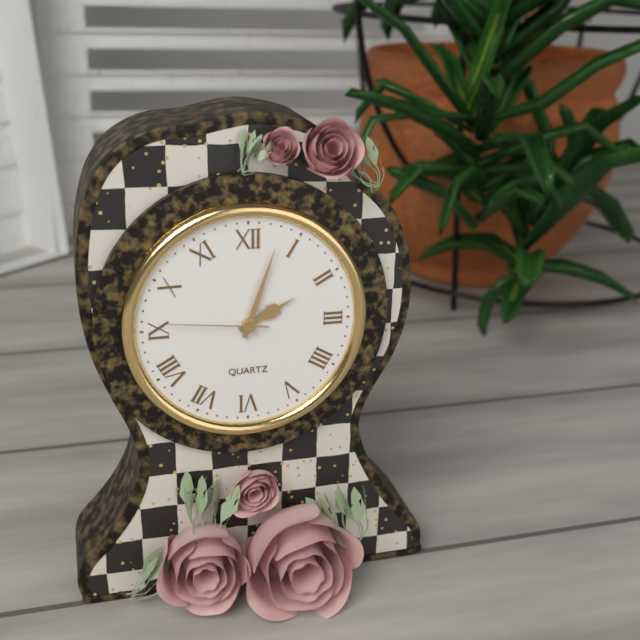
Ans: {"hour": 2, "minute": 3, "second": 46}
